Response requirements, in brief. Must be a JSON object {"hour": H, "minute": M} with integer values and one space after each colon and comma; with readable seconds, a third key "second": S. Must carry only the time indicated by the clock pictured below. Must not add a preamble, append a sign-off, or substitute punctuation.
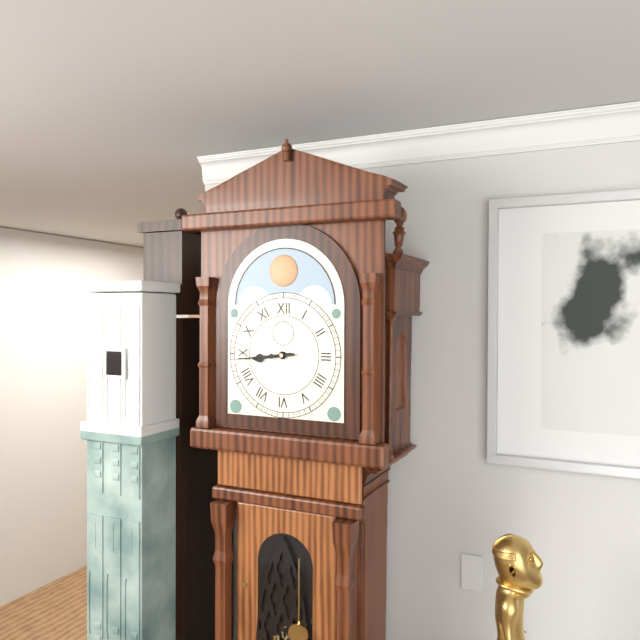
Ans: {"hour": 8, "minute": 44}
